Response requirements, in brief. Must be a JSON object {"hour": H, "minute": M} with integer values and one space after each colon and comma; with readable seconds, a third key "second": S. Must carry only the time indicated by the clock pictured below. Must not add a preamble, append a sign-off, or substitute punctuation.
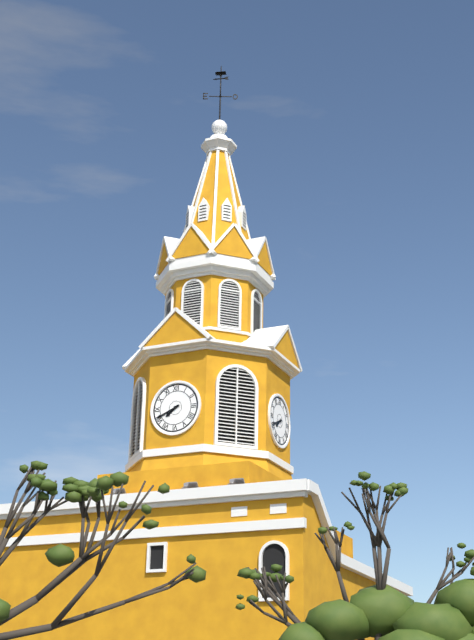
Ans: {"hour": 7, "minute": 41}
